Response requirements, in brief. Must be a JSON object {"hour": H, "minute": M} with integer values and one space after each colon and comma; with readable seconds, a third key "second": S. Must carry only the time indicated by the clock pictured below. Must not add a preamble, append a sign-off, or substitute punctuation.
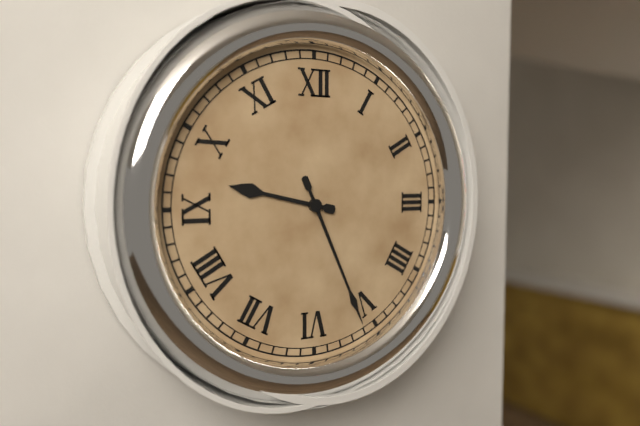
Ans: {"hour": 9, "minute": 26}
